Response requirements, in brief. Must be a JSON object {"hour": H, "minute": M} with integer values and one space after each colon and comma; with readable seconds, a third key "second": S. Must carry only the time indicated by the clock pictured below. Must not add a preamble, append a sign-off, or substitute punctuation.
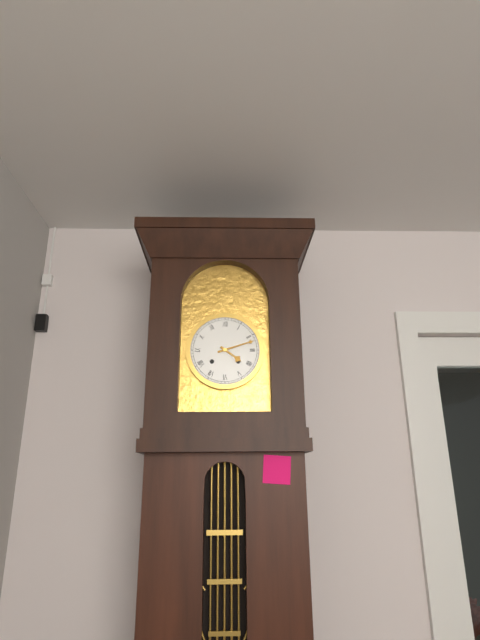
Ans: {"hour": 4, "minute": 12}
